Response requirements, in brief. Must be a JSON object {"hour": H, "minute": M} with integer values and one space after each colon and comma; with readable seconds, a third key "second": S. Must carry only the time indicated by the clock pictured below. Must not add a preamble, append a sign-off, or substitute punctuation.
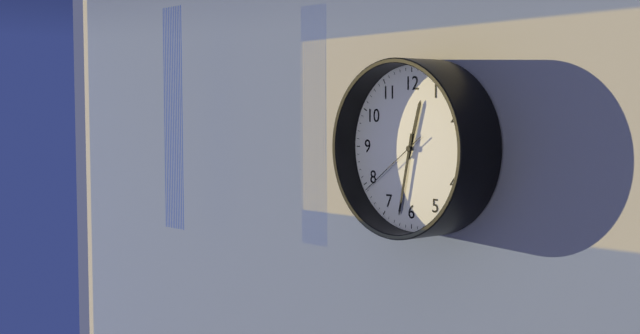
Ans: {"hour": 12, "minute": 32, "second": 39}
